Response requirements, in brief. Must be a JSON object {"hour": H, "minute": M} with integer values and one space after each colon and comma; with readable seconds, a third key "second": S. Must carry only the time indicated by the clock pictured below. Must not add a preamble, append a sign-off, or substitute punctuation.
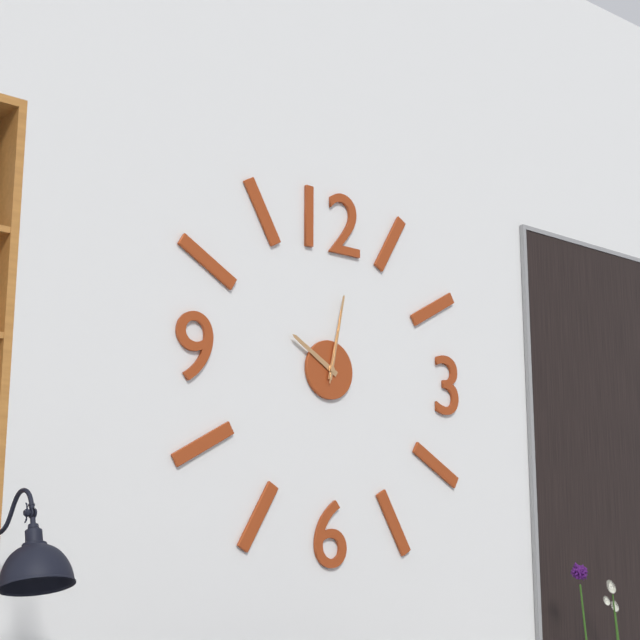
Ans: {"hour": 10, "minute": 2, "second": 2}
